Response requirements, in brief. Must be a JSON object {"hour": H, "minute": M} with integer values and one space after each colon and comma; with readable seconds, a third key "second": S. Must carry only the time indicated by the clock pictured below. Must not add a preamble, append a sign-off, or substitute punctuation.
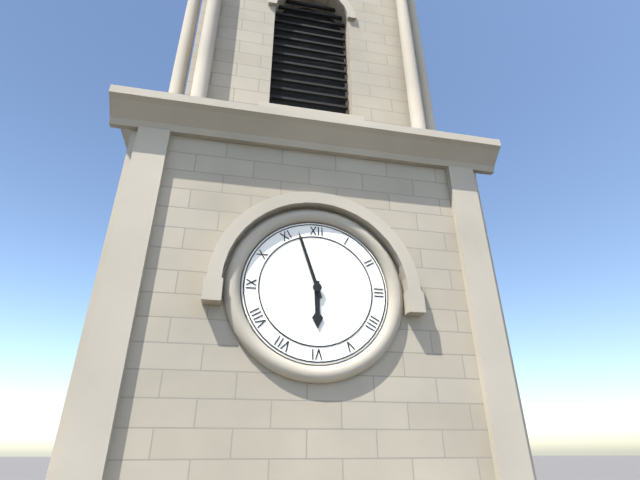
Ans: {"hour": 5, "minute": 57}
